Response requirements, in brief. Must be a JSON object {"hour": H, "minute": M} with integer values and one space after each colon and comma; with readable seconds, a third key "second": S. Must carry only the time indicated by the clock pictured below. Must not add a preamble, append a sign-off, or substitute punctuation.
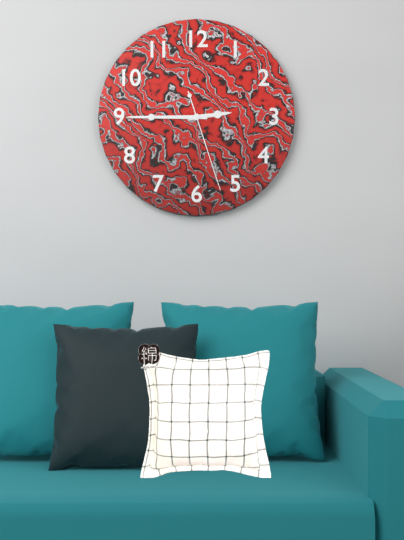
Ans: {"hour": 2, "minute": 45, "second": 27}
